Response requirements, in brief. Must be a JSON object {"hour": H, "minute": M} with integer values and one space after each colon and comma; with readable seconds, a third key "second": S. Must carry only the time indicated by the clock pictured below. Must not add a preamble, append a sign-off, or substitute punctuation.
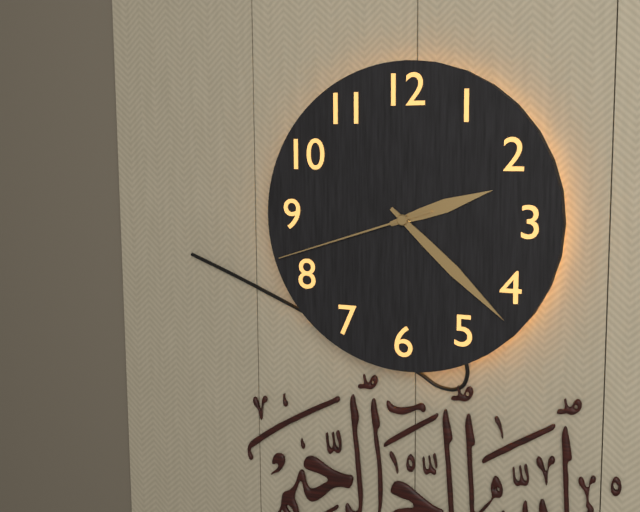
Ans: {"hour": 2, "minute": 22, "second": 42}
